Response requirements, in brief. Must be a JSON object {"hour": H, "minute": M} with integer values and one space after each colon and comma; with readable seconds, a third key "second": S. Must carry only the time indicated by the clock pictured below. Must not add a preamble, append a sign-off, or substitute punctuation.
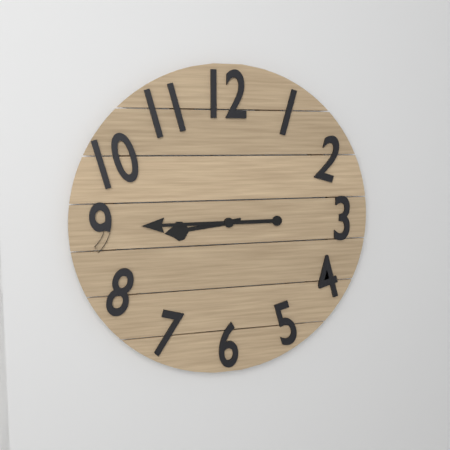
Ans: {"hour": 8, "minute": 45}
